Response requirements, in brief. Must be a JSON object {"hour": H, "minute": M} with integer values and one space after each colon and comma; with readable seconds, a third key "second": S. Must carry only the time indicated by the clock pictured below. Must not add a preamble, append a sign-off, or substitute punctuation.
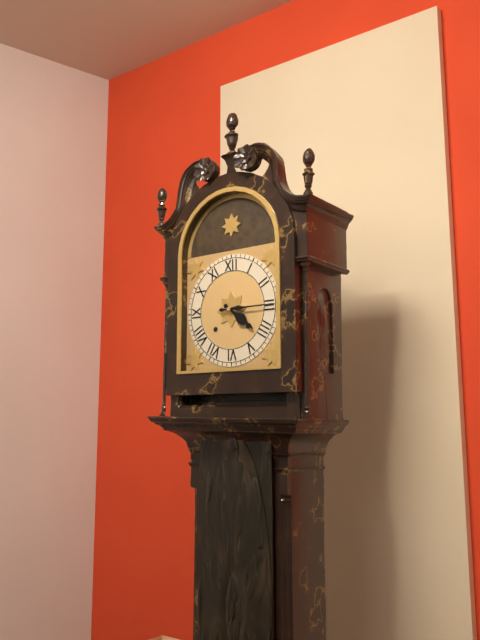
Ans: {"hour": 4, "minute": 15}
